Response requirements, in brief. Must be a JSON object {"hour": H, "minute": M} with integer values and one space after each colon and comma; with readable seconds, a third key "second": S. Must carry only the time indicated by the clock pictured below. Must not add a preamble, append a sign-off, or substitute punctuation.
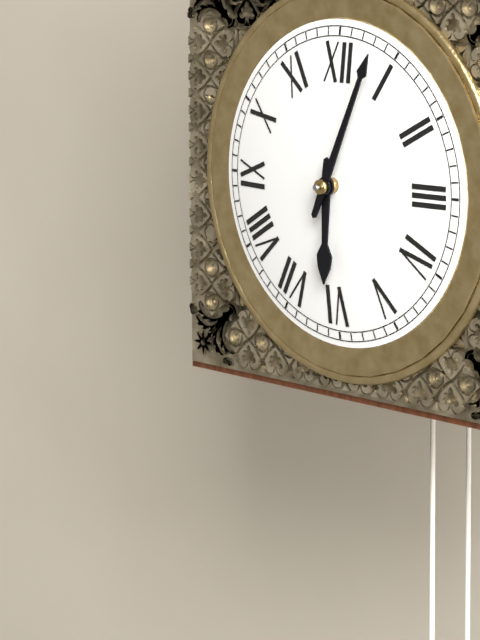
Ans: {"hour": 6, "minute": 4}
